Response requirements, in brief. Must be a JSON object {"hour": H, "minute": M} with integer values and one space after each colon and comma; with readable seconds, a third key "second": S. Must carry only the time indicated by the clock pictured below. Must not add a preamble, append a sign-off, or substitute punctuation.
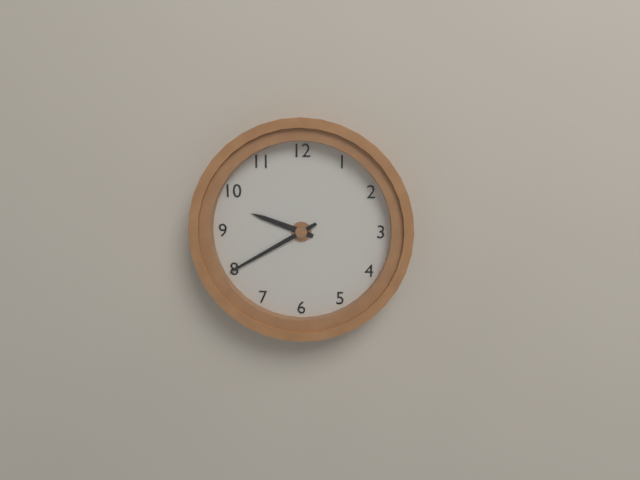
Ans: {"hour": 9, "minute": 40}
